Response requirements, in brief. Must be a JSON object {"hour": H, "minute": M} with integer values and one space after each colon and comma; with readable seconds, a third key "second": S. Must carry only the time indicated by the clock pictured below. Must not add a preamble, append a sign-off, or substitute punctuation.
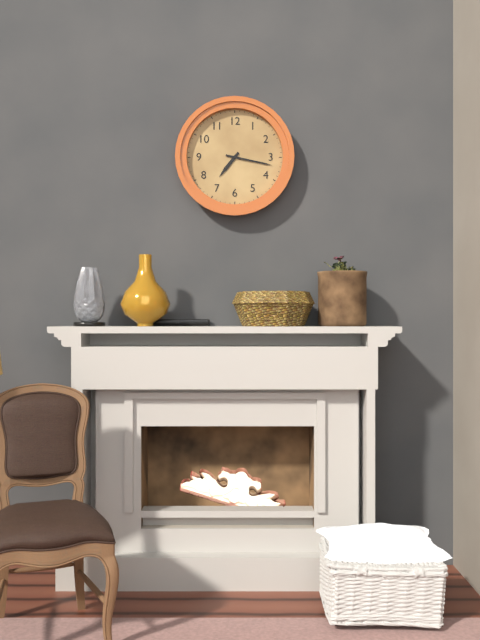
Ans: {"hour": 7, "minute": 17}
